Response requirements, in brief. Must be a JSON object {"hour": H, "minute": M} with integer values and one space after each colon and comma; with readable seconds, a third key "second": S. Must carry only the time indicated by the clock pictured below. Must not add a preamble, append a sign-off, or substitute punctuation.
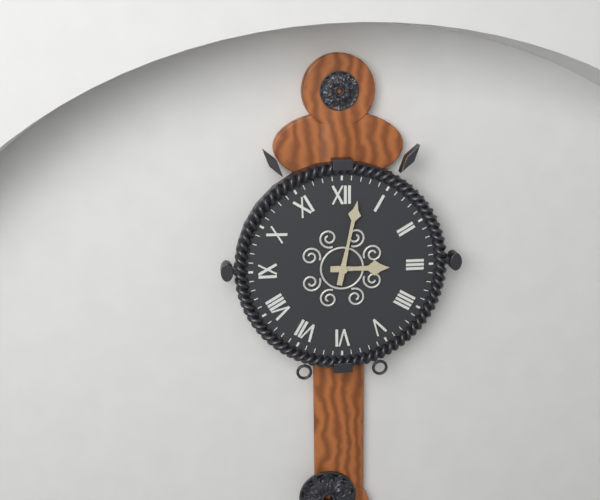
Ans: {"hour": 3, "minute": 2}
